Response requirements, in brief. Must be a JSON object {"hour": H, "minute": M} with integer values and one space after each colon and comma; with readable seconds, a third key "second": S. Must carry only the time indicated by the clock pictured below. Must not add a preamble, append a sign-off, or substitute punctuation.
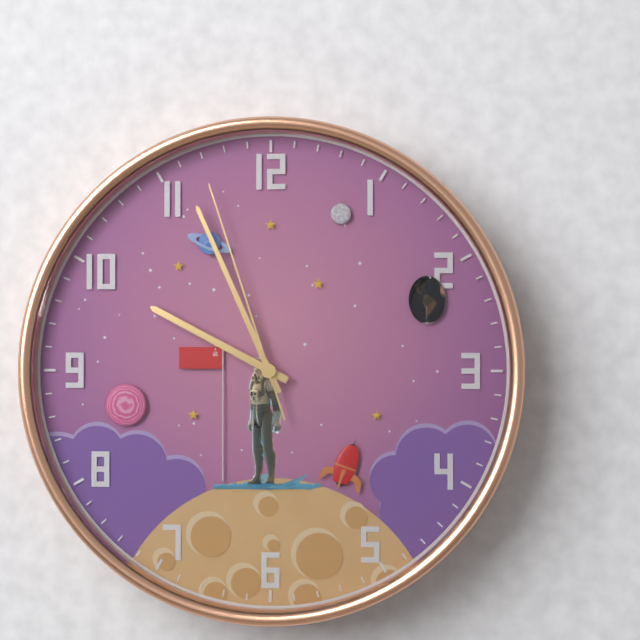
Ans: {"hour": 9, "minute": 56, "second": 57}
